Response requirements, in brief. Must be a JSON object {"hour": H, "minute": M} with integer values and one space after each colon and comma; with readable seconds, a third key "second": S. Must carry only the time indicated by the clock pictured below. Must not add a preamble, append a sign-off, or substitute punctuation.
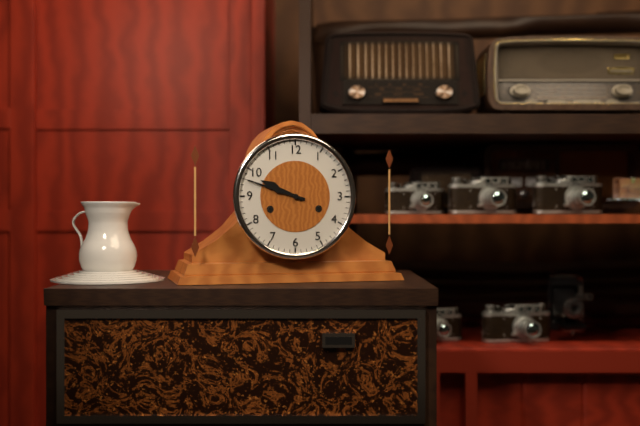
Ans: {"hour": 9, "minute": 48}
